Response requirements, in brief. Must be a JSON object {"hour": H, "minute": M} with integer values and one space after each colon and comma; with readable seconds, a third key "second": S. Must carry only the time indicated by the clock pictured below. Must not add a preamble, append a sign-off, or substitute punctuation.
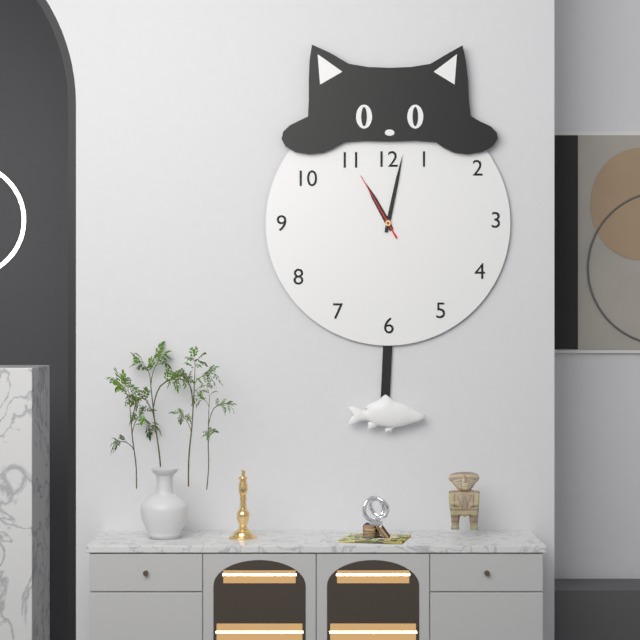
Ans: {"hour": 11, "minute": 2, "second": 55}
